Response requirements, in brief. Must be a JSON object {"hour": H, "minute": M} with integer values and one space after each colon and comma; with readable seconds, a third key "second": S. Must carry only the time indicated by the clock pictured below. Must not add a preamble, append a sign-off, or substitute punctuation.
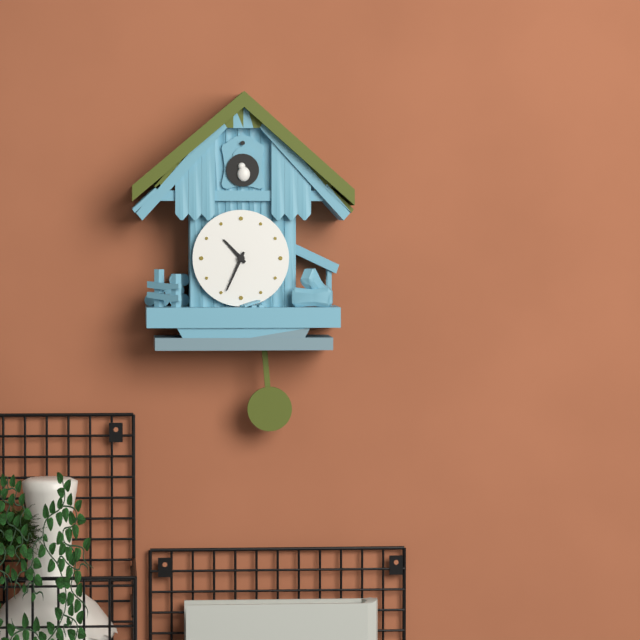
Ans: {"hour": 10, "minute": 34}
